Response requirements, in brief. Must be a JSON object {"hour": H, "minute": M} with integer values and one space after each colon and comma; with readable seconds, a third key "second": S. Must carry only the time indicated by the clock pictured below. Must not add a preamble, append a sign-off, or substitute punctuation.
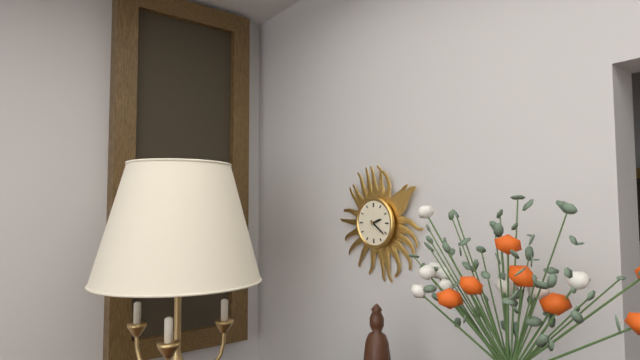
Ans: {"hour": 2, "minute": 21}
